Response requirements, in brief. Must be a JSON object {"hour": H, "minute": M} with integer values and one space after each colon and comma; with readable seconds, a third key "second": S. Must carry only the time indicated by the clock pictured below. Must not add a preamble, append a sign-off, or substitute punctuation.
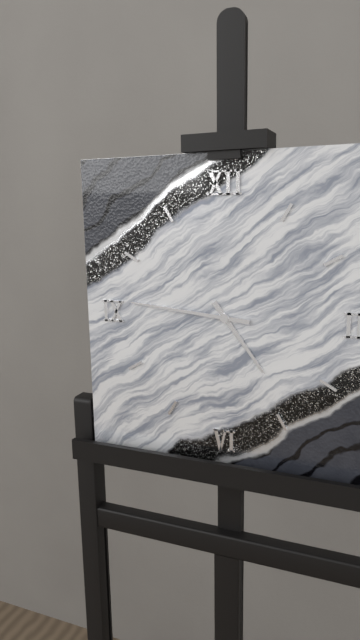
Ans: {"hour": 4, "minute": 46}
